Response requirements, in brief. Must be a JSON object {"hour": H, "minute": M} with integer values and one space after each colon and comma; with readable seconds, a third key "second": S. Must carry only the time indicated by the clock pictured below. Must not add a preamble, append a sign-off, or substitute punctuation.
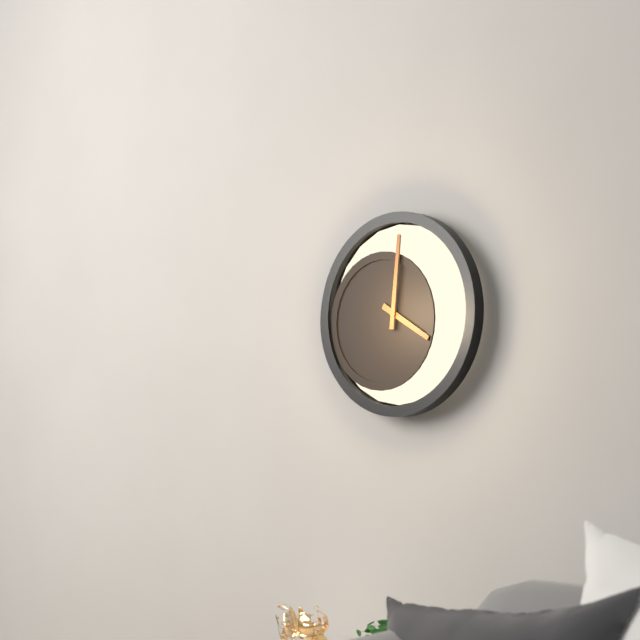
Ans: {"hour": 4, "minute": 1}
